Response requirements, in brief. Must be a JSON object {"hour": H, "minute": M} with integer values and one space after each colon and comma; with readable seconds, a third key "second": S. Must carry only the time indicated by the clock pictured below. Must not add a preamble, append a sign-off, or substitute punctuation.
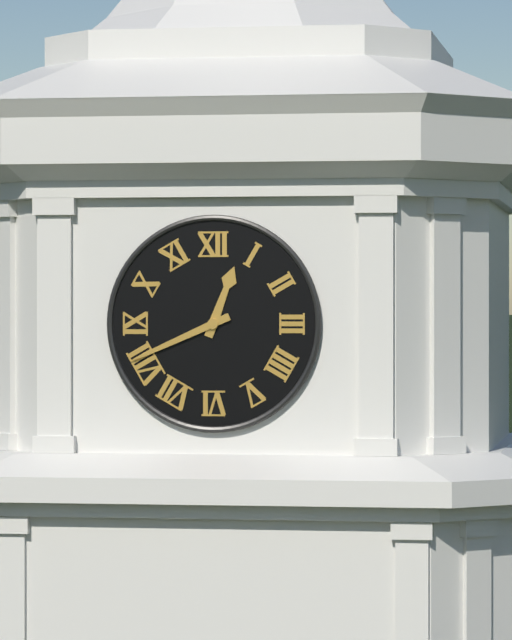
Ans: {"hour": 12, "minute": 41}
